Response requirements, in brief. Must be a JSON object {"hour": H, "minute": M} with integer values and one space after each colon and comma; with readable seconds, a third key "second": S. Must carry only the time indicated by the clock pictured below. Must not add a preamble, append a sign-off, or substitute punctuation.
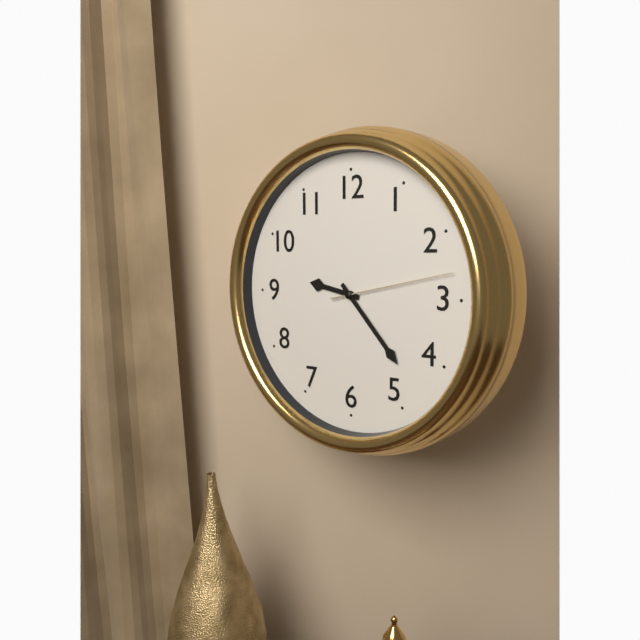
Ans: {"hour": 9, "minute": 23, "second": 13}
